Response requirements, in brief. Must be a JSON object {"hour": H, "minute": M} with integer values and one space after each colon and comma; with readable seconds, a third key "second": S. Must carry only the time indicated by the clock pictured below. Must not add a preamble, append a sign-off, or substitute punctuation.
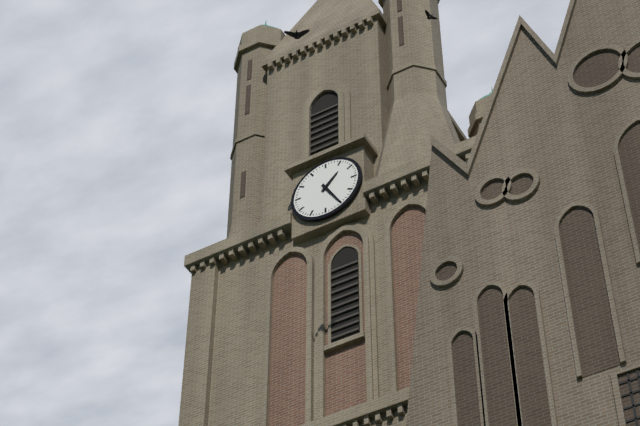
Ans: {"hour": 1, "minute": 25}
